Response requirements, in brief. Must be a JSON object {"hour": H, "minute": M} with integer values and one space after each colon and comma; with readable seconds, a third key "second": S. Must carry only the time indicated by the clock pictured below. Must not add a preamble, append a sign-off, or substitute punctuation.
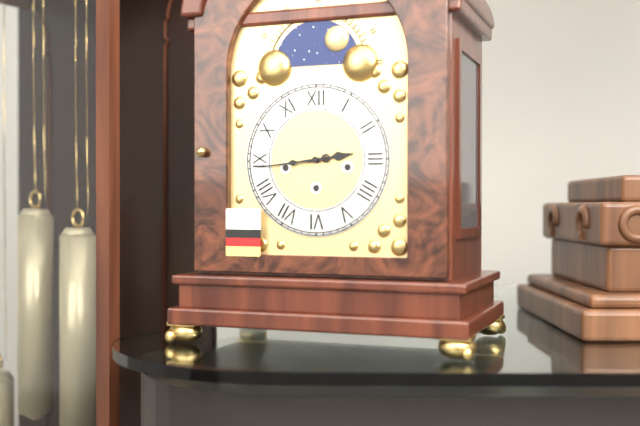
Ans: {"hour": 2, "minute": 44}
